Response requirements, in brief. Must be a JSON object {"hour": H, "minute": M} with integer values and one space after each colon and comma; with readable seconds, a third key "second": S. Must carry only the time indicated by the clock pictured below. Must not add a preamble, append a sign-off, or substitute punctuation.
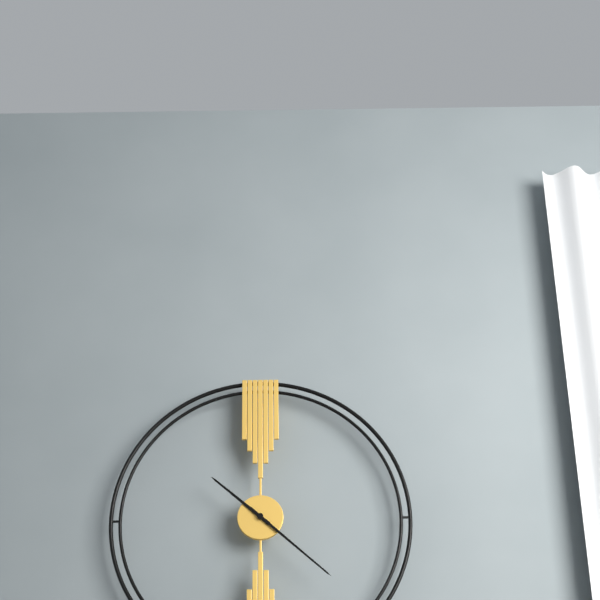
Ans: {"hour": 10, "minute": 22}
